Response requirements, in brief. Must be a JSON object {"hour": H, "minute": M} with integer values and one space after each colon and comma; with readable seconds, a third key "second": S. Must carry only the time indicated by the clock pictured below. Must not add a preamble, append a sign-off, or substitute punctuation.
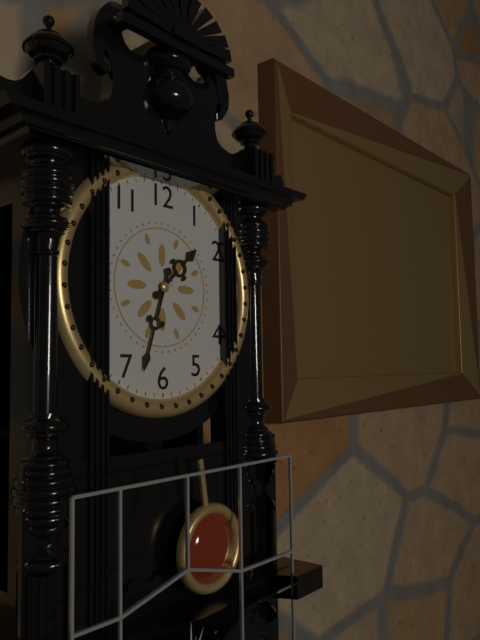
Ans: {"hour": 1, "minute": 33}
